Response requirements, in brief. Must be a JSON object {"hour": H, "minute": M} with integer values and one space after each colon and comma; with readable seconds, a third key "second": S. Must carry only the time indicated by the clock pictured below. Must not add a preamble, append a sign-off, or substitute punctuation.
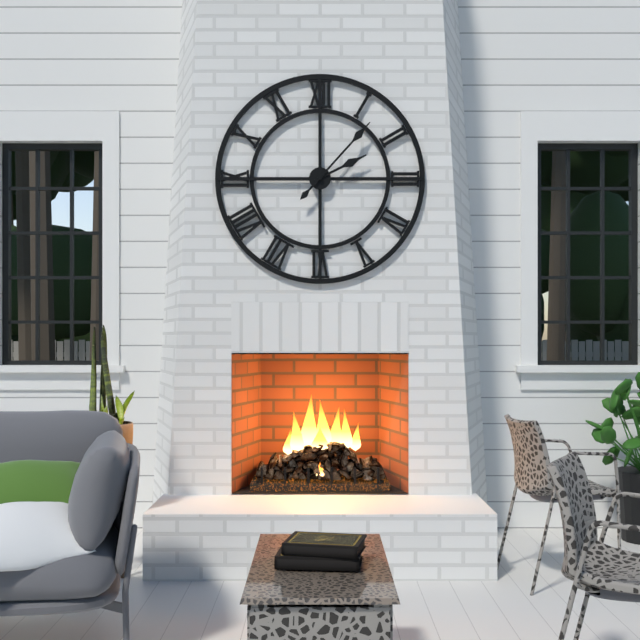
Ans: {"hour": 2, "minute": 7}
